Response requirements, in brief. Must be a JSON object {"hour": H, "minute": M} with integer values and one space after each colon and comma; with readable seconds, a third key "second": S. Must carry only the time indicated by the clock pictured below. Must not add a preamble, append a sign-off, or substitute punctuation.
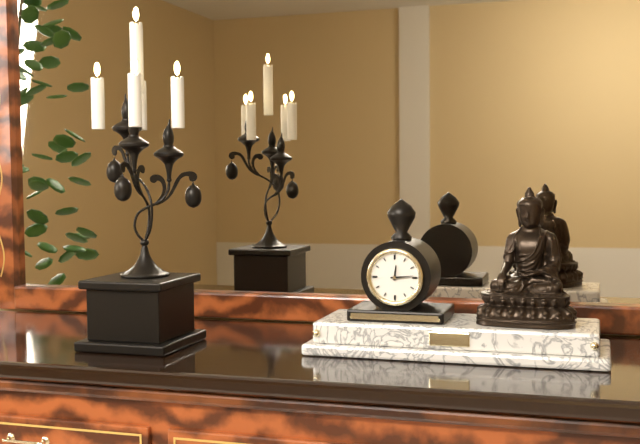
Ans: {"hour": 12, "minute": 14}
